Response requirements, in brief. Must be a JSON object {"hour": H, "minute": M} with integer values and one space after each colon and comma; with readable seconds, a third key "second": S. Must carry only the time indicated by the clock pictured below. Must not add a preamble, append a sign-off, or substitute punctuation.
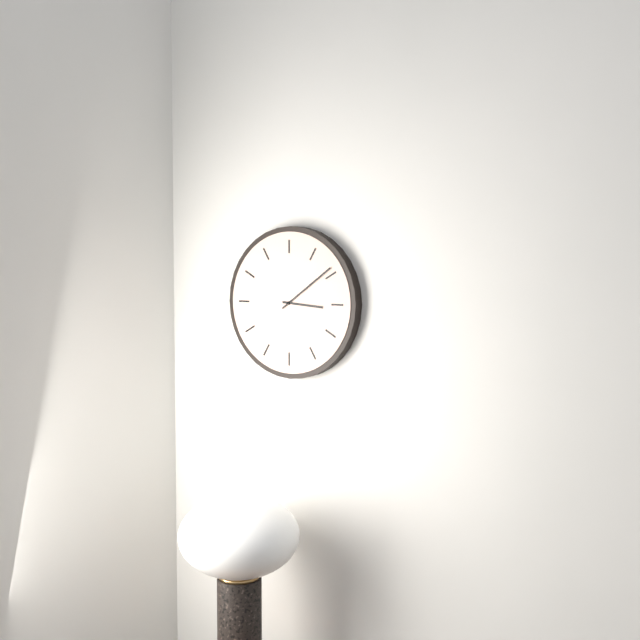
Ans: {"hour": 3, "minute": 9}
